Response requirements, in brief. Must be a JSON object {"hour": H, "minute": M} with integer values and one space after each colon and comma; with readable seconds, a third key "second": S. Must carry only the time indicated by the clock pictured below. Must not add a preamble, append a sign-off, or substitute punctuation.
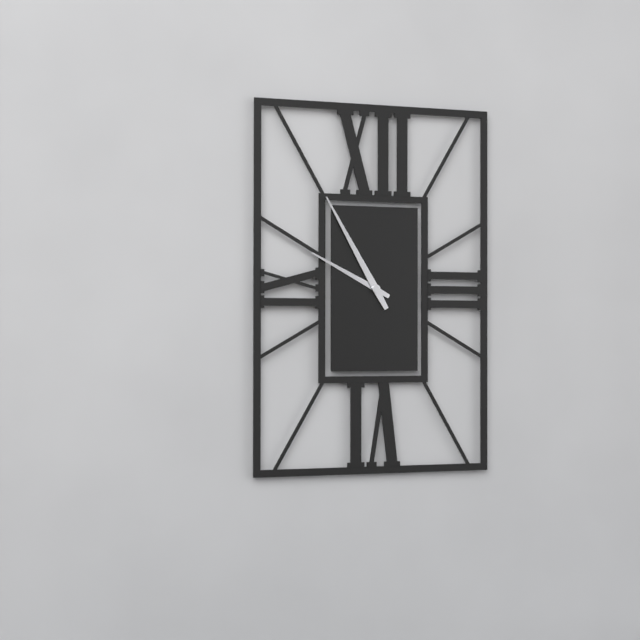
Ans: {"hour": 9, "minute": 55}
